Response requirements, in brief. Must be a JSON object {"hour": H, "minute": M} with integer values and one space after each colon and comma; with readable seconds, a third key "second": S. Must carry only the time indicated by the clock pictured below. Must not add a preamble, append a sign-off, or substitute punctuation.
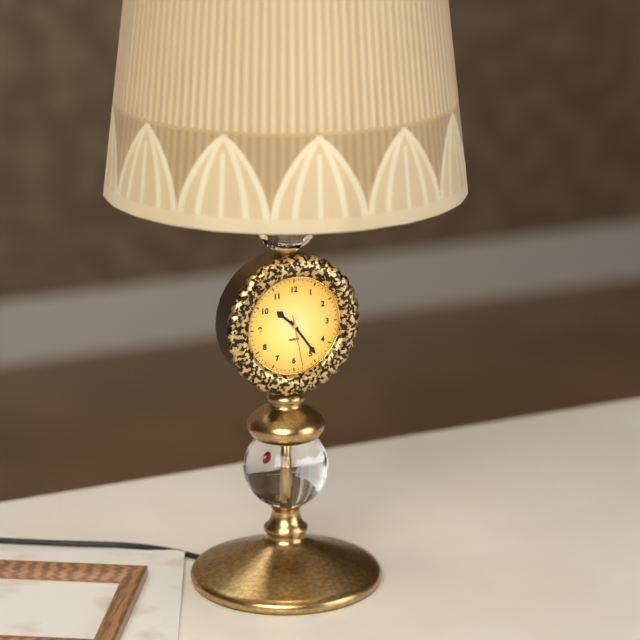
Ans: {"hour": 10, "minute": 24, "second": 28}
